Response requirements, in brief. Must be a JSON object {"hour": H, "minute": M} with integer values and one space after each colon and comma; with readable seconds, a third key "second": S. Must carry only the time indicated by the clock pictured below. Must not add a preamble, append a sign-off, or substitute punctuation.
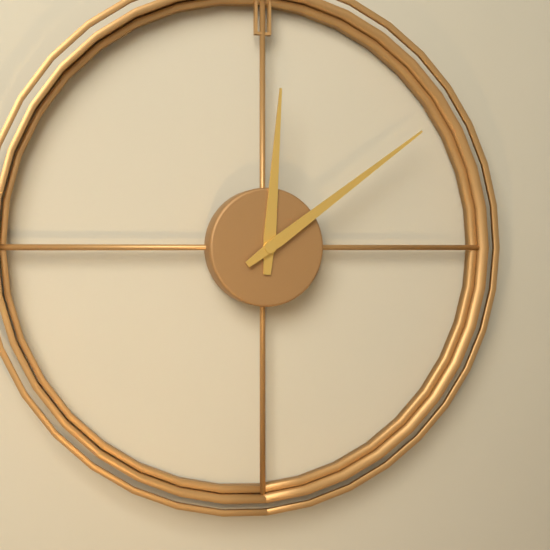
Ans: {"hour": 12, "minute": 9}
